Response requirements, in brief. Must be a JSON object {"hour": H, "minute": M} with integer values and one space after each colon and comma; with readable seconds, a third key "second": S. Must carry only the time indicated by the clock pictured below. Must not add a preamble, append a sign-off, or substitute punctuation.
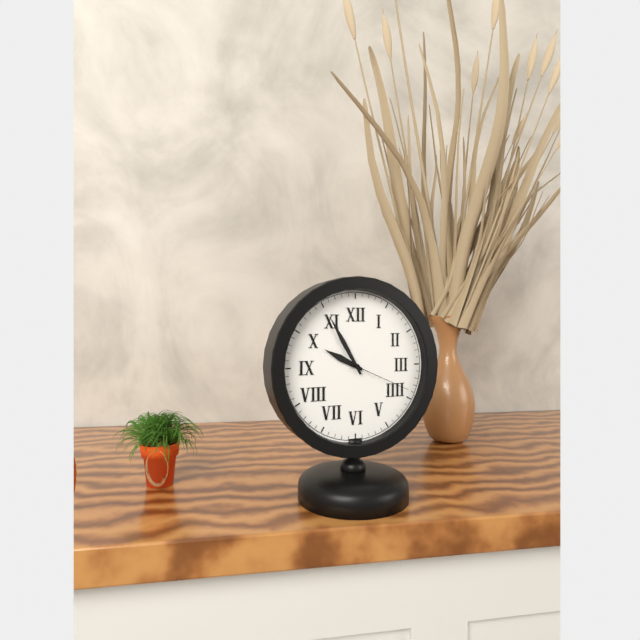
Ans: {"hour": 9, "minute": 55, "second": 19}
